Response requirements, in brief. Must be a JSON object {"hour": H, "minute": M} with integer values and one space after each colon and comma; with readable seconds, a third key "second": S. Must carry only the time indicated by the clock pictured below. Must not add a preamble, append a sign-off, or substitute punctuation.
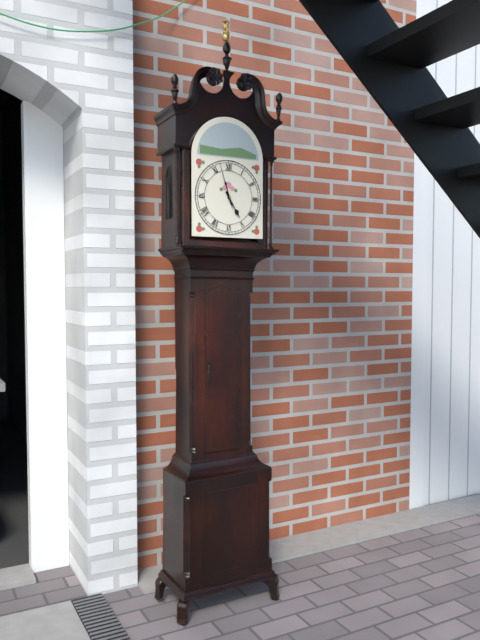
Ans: {"hour": 4, "minute": 57}
